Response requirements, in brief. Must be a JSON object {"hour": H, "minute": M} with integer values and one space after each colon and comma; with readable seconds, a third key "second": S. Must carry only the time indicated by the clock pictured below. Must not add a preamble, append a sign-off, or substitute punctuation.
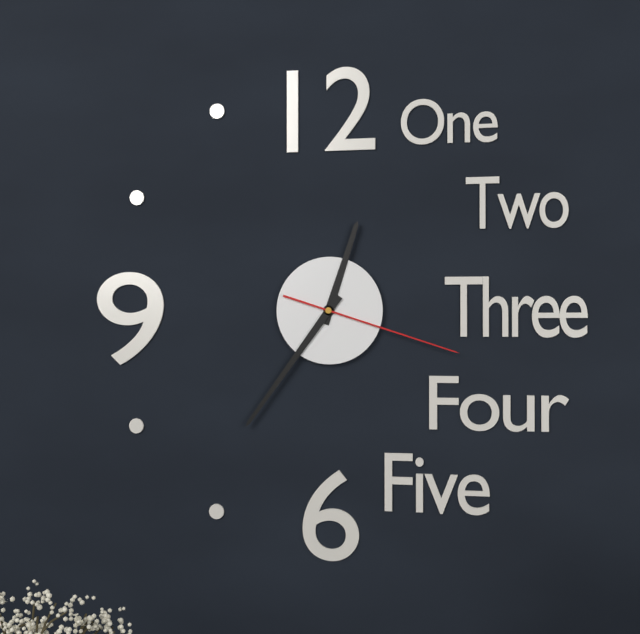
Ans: {"hour": 12, "minute": 36, "second": 18}
